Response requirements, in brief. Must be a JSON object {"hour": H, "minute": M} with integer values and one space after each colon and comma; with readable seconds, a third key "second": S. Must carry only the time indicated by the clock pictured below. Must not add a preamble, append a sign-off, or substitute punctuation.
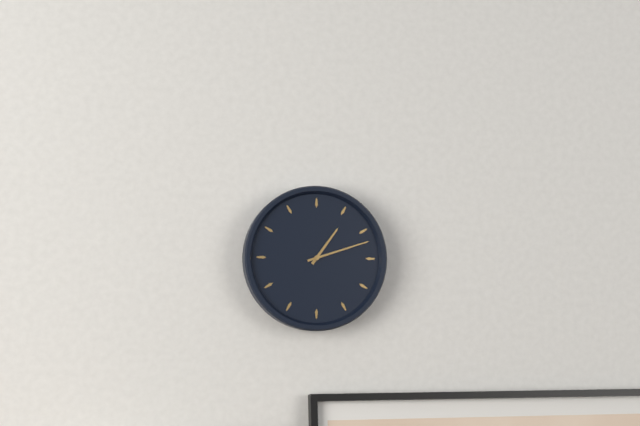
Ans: {"hour": 1, "minute": 12}
